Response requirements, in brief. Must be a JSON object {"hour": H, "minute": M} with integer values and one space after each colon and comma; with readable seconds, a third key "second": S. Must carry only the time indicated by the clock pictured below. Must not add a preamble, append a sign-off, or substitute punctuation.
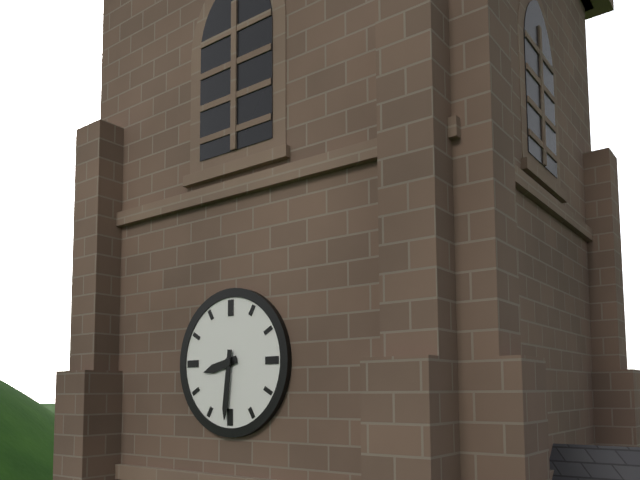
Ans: {"hour": 8, "minute": 31}
